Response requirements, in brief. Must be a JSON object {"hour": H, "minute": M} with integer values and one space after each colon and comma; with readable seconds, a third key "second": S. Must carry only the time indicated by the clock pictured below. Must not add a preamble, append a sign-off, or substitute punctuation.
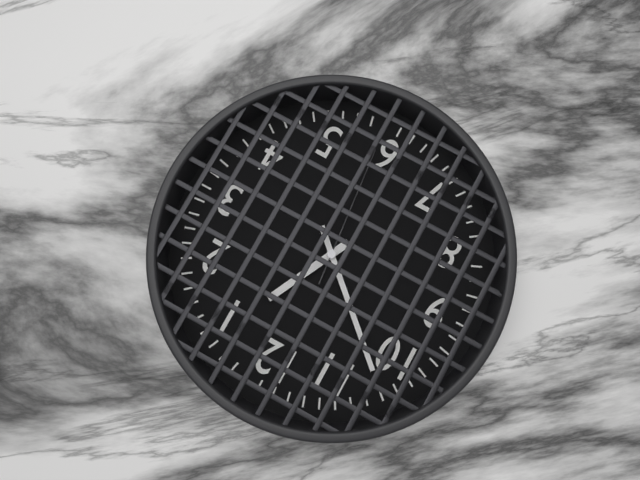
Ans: {"hour": 12, "minute": 52, "second": 29}
